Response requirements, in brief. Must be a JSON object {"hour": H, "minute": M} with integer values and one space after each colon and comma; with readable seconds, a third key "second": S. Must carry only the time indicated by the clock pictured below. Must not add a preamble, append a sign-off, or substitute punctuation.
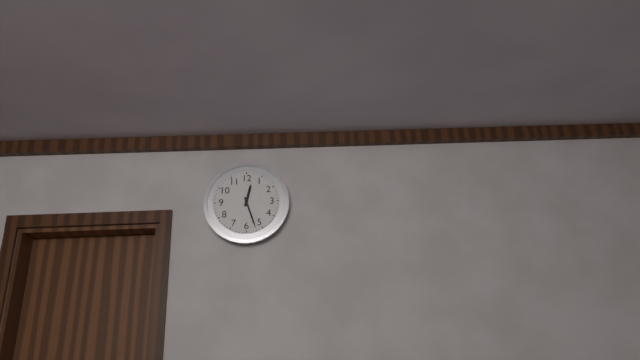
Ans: {"hour": 12, "minute": 27}
